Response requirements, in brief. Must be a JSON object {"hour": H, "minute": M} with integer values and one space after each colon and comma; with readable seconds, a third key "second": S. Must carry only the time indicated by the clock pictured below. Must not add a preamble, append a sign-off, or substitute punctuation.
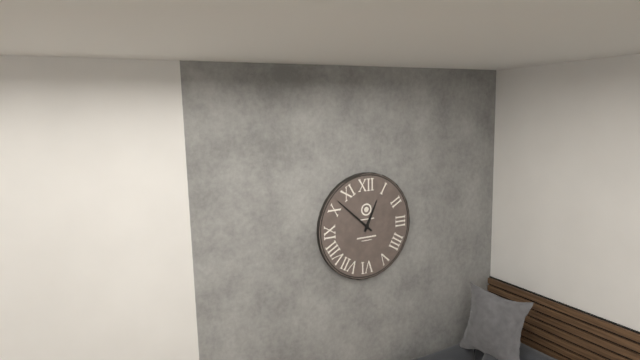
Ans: {"hour": 12, "minute": 52}
